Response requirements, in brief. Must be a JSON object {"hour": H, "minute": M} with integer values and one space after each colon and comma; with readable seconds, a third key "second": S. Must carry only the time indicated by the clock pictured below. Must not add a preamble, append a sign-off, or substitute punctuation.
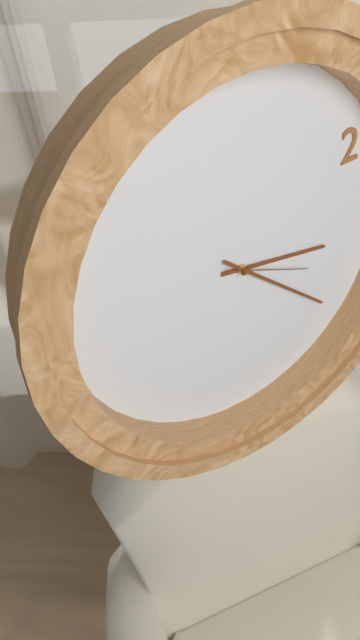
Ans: {"hour": 3, "minute": 22, "second": 19}
